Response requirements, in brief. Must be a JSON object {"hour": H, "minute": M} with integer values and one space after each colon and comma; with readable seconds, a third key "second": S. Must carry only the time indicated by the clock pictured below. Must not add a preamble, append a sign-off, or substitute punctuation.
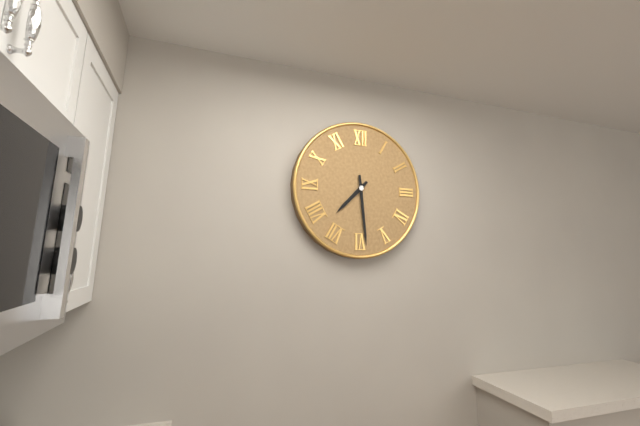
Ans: {"hour": 7, "minute": 29}
